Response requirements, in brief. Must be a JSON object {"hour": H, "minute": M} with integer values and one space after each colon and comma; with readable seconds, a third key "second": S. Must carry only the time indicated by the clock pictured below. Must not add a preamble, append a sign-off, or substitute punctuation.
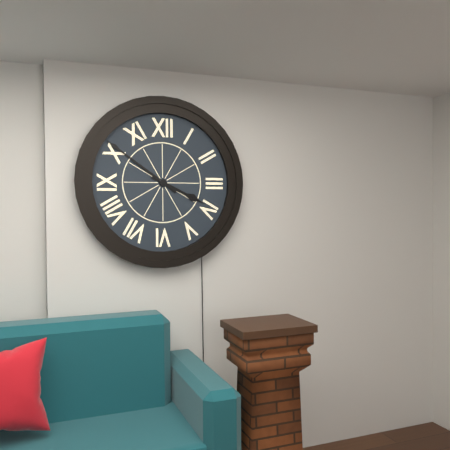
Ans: {"hour": 3, "minute": 51}
